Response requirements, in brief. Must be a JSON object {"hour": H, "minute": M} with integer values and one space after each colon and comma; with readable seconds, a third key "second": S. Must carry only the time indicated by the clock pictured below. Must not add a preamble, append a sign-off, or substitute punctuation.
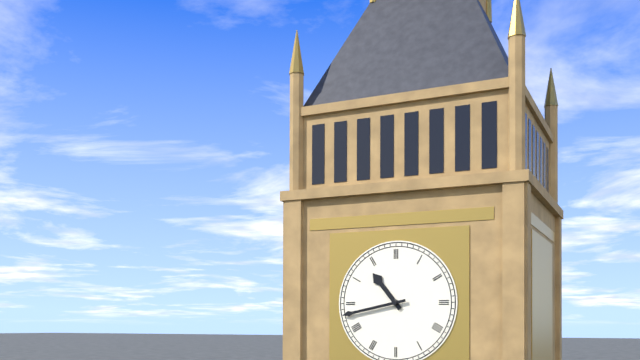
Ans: {"hour": 10, "minute": 43}
